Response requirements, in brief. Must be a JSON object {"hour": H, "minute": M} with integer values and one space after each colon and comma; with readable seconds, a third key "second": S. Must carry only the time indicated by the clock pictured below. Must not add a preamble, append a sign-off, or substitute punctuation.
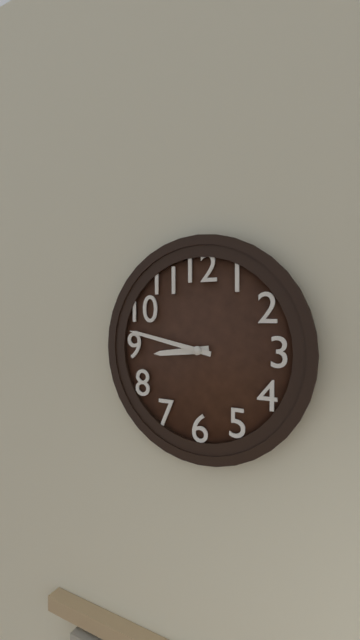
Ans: {"hour": 8, "minute": 47}
